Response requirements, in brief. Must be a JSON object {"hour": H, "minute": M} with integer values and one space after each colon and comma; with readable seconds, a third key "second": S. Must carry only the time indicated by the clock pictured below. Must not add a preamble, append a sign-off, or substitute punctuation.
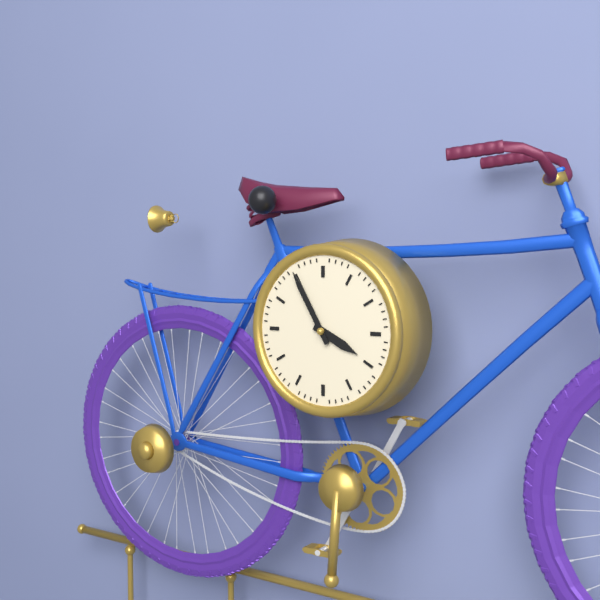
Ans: {"hour": 3, "minute": 55}
